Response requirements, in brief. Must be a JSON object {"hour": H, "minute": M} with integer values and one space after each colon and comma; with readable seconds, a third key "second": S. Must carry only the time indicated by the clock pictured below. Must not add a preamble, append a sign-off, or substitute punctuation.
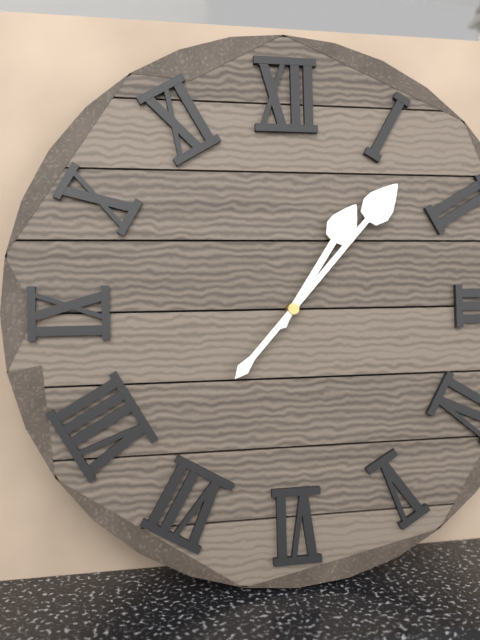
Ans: {"hour": 1, "minute": 7}
